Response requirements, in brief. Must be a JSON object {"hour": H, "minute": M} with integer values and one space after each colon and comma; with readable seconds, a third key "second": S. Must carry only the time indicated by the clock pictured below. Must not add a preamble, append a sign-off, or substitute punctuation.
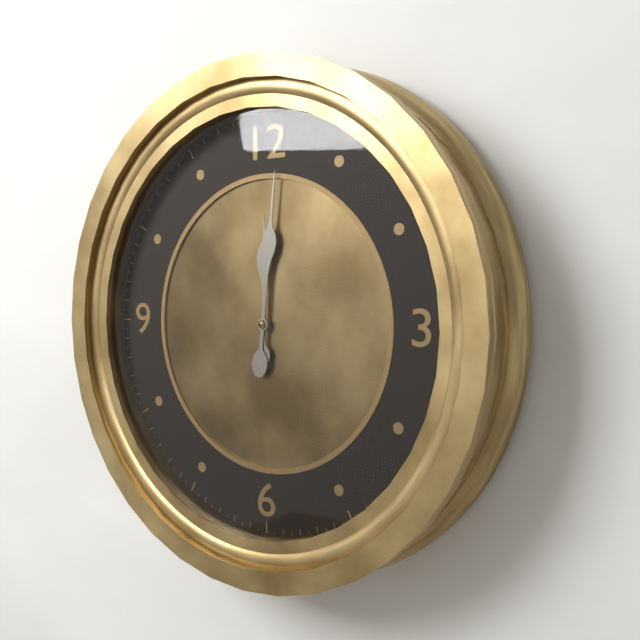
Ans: {"hour": 12, "minute": 1}
